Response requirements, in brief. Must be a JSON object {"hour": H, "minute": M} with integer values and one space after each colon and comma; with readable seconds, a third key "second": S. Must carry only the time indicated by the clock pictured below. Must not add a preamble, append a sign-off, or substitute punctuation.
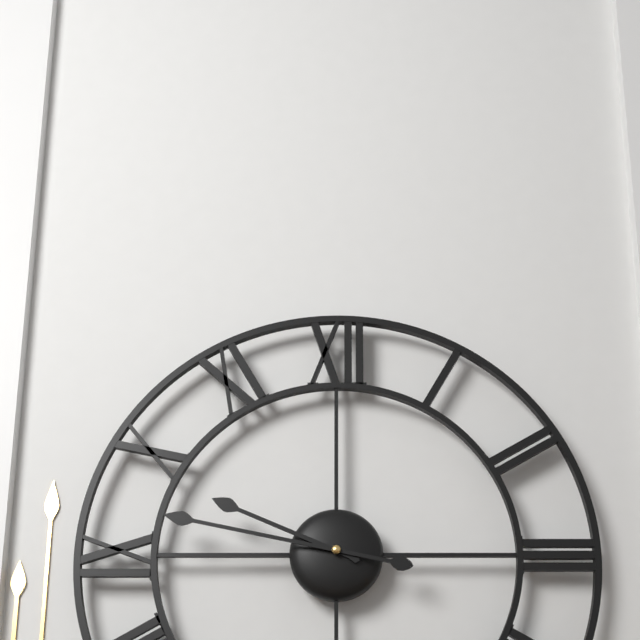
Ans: {"hour": 9, "minute": 47}
